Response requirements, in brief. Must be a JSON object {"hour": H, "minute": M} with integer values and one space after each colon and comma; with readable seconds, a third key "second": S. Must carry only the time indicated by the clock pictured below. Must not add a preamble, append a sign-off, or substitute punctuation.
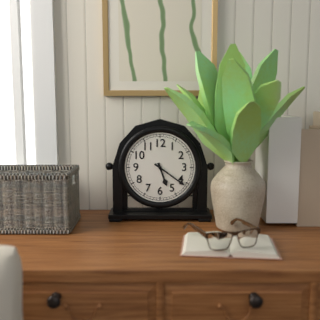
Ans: {"hour": 5, "minute": 21}
